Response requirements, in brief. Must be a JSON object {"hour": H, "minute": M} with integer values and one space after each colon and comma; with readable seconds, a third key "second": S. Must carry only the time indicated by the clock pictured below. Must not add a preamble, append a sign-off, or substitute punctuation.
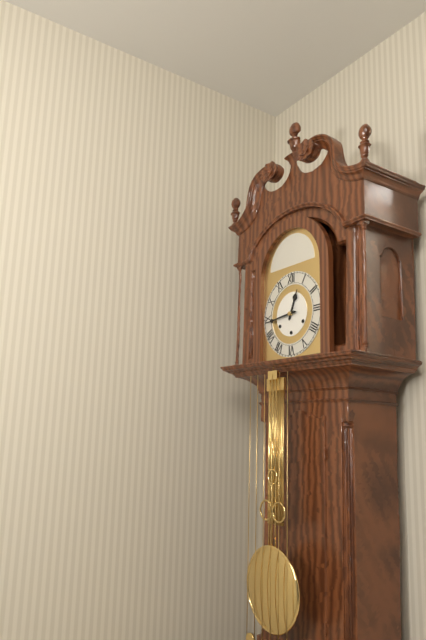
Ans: {"hour": 12, "minute": 44}
